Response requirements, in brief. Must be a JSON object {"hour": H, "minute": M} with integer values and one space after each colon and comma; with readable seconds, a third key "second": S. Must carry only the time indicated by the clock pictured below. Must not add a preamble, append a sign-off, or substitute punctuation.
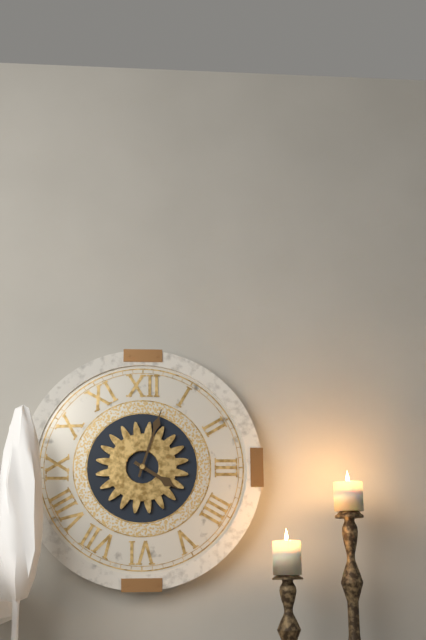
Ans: {"hour": 4, "minute": 3}
